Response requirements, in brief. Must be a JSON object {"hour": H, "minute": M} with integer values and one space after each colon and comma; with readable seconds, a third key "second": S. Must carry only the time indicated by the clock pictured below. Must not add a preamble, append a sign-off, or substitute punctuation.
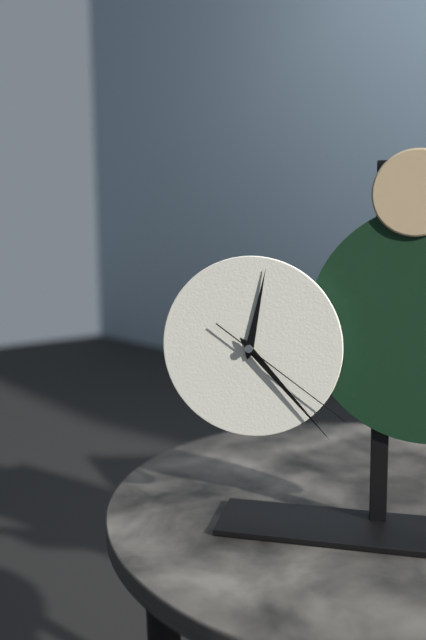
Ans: {"hour": 12, "minute": 23, "second": 21}
